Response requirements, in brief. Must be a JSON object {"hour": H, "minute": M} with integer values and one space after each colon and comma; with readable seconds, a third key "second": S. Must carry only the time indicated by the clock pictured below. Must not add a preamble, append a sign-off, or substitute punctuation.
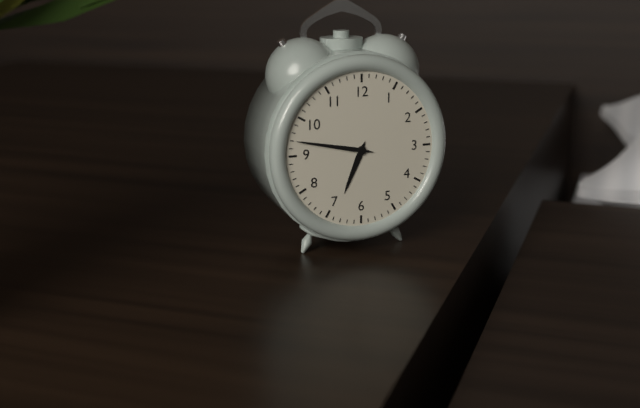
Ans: {"hour": 6, "minute": 47}
